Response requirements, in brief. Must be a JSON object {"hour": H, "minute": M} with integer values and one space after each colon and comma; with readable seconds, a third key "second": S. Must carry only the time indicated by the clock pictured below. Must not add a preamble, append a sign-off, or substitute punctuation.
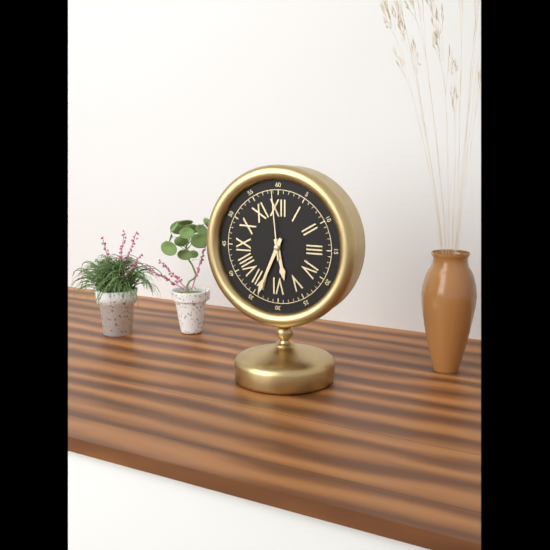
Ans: {"hour": 5, "minute": 34, "second": 59}
